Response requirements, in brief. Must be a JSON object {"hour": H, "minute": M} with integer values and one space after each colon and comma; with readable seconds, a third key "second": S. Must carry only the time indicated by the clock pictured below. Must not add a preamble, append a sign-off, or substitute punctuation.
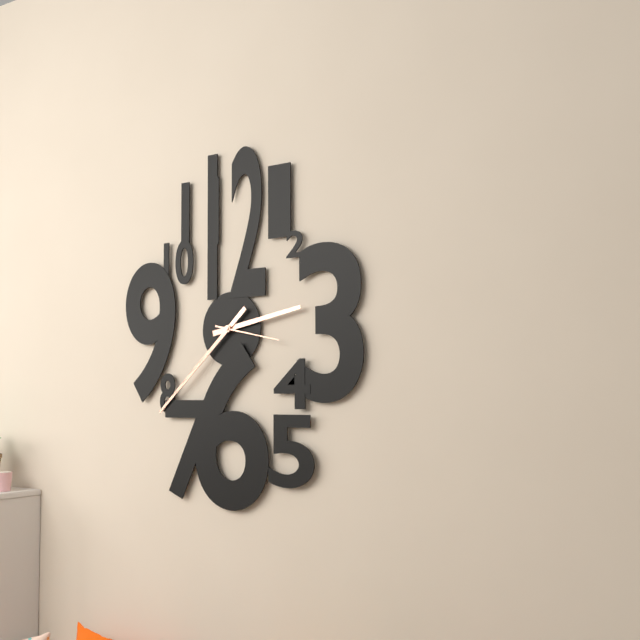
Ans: {"hour": 2, "minute": 38, "second": 17}
